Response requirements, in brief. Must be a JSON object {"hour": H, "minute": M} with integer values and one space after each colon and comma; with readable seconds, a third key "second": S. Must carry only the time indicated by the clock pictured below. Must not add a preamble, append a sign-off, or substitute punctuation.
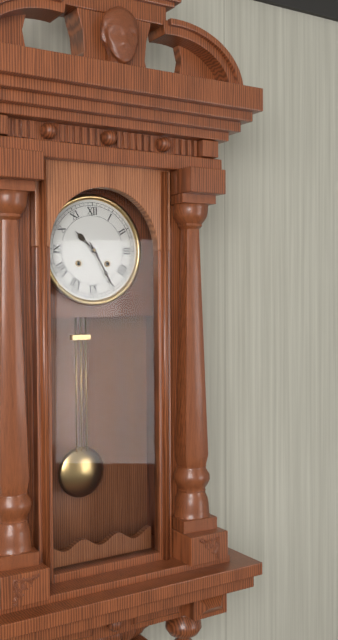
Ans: {"hour": 10, "minute": 25}
